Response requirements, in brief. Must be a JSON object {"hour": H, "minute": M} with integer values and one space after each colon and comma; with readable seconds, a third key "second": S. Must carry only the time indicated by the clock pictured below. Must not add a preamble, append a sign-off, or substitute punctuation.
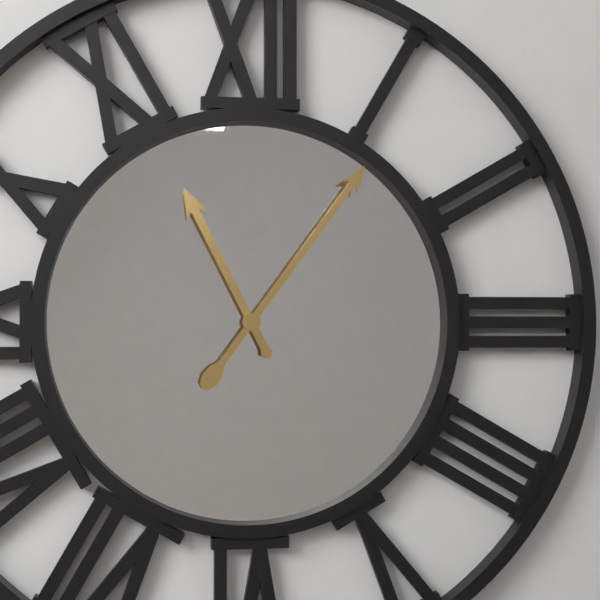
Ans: {"hour": 11, "minute": 6}
